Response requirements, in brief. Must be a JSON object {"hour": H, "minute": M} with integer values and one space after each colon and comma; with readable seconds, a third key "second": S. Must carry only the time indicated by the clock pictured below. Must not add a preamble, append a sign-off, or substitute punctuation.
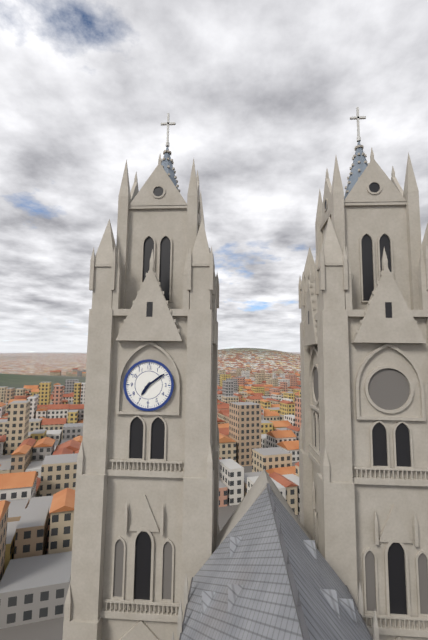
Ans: {"hour": 7, "minute": 9}
